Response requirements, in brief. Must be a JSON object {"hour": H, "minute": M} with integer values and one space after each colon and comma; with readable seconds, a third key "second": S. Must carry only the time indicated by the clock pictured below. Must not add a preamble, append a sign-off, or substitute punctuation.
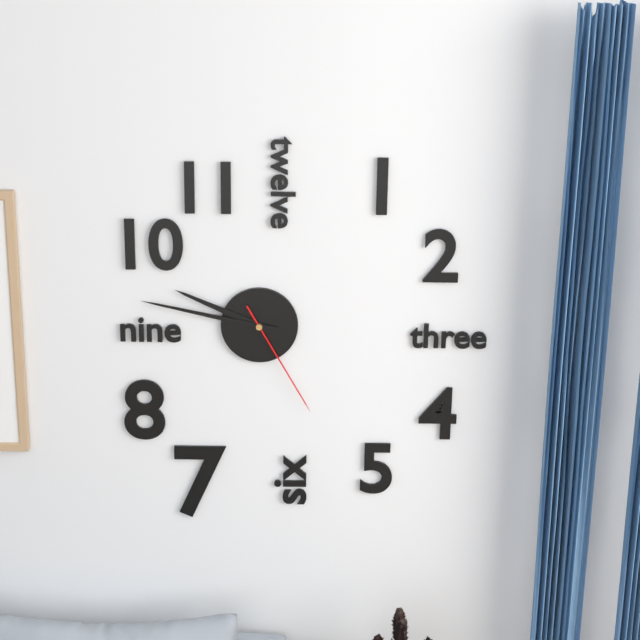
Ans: {"hour": 9, "minute": 47, "second": 25}
